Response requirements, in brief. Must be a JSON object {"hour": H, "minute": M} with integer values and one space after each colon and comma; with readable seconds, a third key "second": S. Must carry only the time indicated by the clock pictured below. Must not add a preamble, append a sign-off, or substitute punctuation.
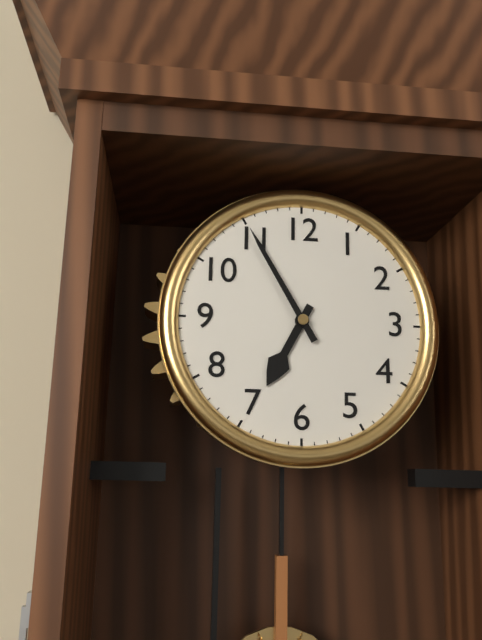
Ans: {"hour": 6, "minute": 55}
